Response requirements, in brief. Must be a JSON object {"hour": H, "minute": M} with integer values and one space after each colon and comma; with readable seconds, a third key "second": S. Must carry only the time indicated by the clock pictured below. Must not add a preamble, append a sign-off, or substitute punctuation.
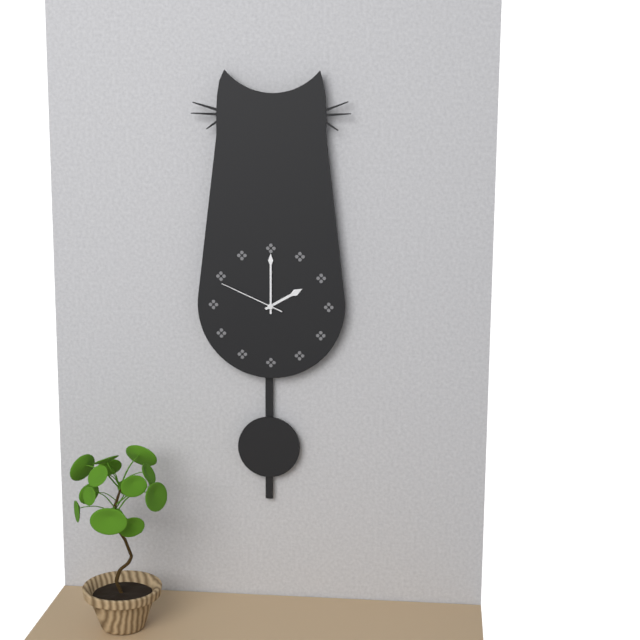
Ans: {"hour": 2, "minute": 0, "second": 49}
